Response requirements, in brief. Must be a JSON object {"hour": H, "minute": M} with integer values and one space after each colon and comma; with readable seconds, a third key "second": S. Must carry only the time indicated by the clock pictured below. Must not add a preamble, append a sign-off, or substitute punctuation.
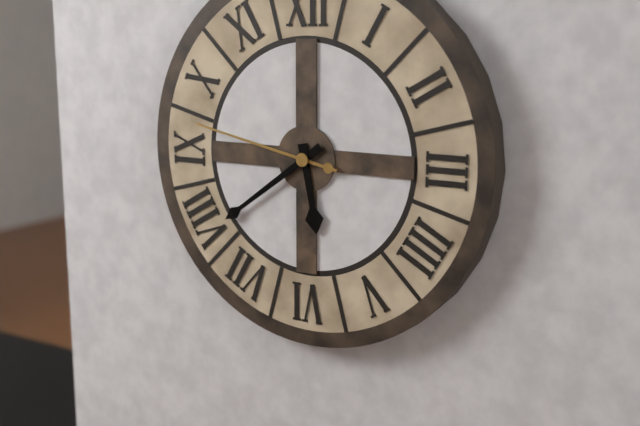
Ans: {"hour": 5, "minute": 39, "second": 47}
